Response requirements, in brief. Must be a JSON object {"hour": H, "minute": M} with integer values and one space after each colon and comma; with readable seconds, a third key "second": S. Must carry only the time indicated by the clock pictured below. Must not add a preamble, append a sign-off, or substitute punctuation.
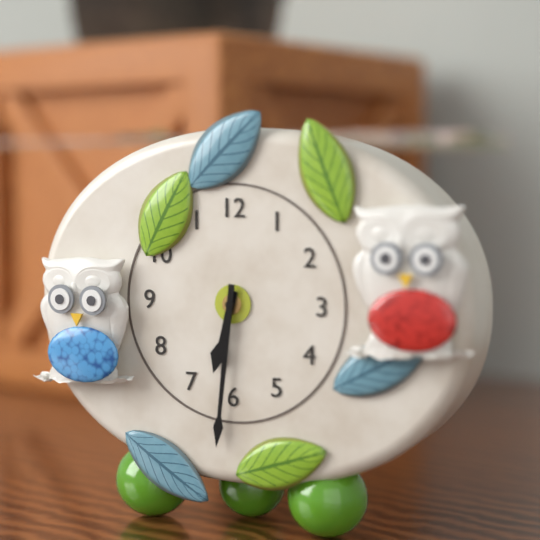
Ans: {"hour": 6, "minute": 31}
